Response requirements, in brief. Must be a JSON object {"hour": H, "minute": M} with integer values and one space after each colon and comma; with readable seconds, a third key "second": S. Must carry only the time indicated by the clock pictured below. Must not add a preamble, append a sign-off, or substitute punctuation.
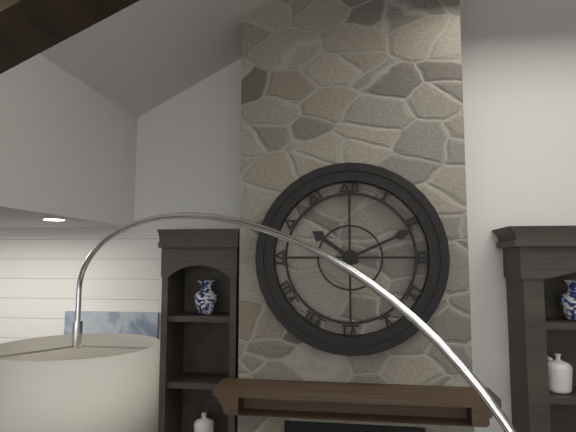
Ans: {"hour": 10, "minute": 11}
